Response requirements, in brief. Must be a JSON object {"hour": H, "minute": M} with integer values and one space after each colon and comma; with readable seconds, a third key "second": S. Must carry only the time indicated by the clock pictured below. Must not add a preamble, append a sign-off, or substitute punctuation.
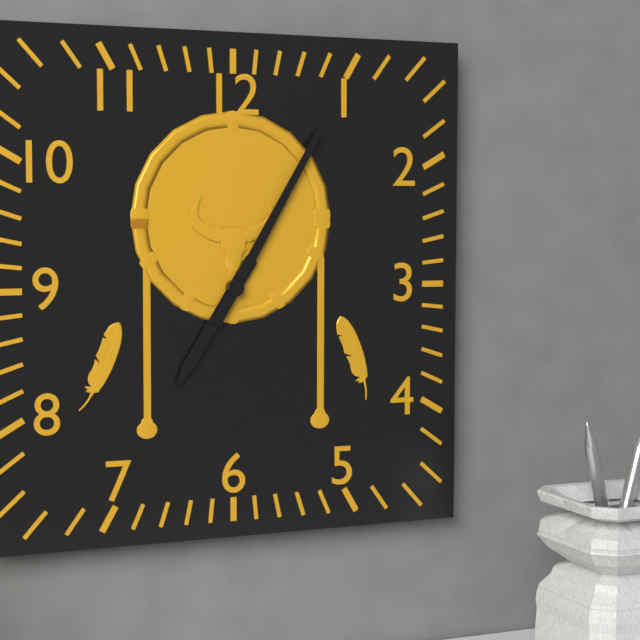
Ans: {"hour": 7, "minute": 5}
